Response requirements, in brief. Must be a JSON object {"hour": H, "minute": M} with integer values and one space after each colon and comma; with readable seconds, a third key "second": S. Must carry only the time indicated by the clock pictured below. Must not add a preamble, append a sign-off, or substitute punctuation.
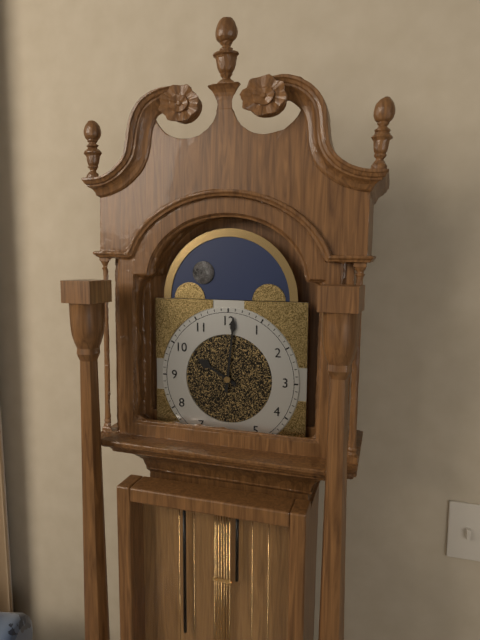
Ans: {"hour": 10, "minute": 1}
